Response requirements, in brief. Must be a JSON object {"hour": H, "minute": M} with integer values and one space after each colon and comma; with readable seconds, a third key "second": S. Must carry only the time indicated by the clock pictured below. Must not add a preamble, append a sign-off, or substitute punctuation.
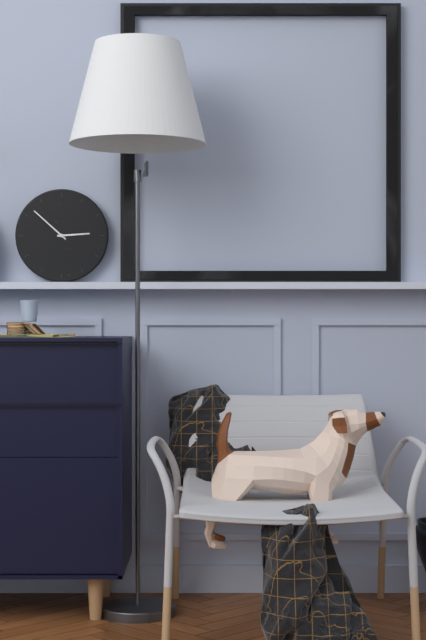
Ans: {"hour": 2, "minute": 52}
